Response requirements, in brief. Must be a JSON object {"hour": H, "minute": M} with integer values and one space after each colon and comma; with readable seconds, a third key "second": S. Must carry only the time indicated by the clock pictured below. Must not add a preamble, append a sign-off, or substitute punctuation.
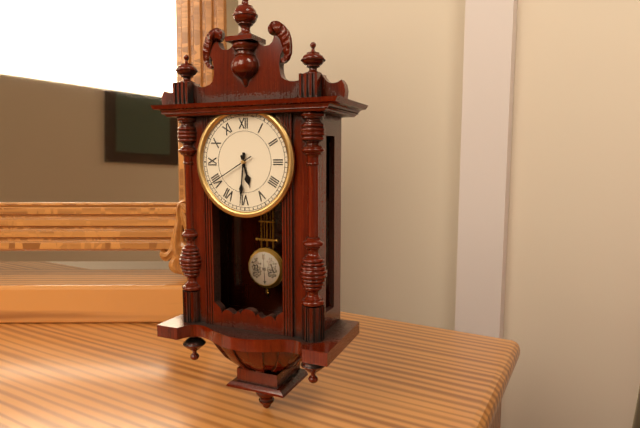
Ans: {"hour": 5, "minute": 31, "second": 40}
